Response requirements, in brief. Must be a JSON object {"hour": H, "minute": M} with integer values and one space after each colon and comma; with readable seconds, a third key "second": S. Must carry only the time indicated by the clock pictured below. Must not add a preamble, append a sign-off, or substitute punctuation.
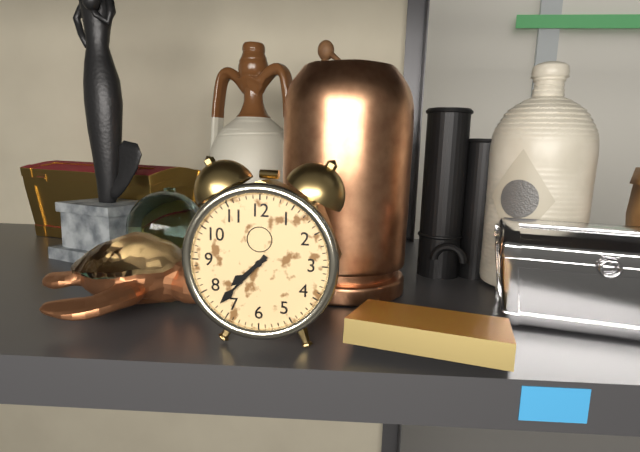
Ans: {"hour": 7, "minute": 37}
